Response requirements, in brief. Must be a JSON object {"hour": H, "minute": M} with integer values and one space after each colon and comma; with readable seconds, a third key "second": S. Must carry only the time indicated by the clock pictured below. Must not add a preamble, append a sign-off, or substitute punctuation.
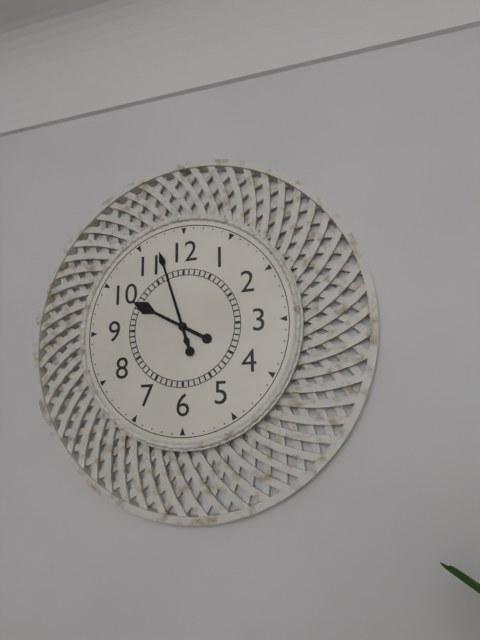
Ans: {"hour": 9, "minute": 57}
